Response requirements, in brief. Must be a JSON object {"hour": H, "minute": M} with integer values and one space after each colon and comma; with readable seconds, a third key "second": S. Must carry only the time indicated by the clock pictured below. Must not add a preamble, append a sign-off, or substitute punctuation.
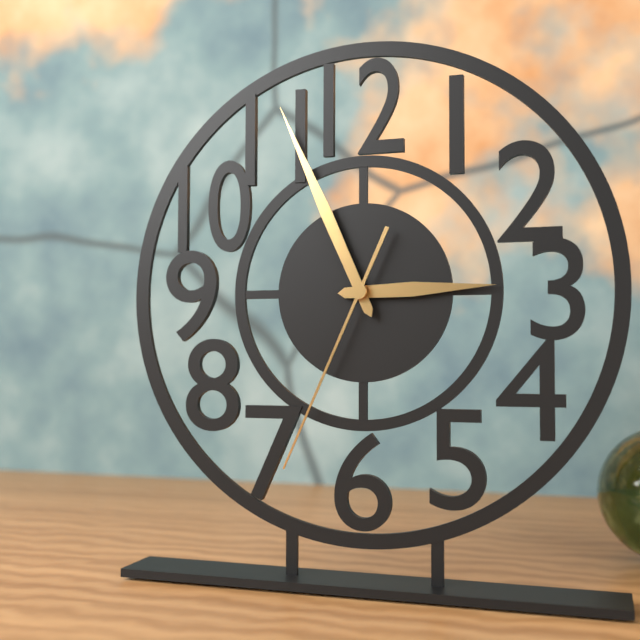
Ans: {"hour": 2, "minute": 56, "second": 34}
